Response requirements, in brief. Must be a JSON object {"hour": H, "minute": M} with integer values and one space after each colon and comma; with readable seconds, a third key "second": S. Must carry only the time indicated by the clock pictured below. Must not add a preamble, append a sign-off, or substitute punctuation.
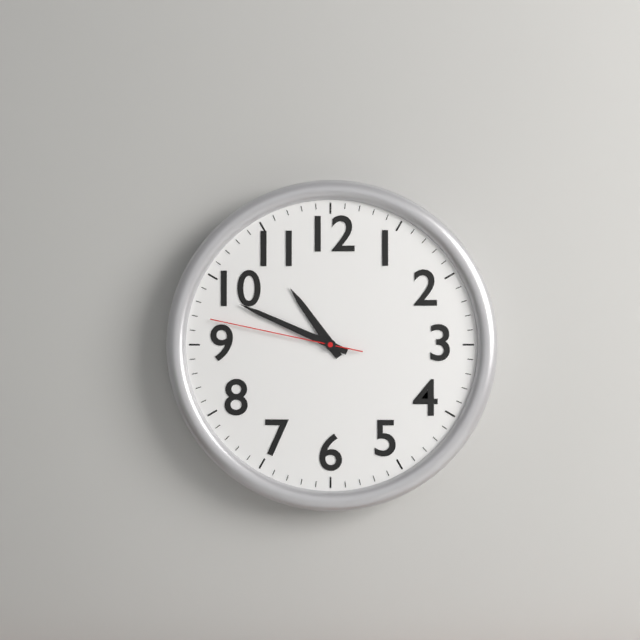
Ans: {"hour": 10, "minute": 49, "second": 47}
